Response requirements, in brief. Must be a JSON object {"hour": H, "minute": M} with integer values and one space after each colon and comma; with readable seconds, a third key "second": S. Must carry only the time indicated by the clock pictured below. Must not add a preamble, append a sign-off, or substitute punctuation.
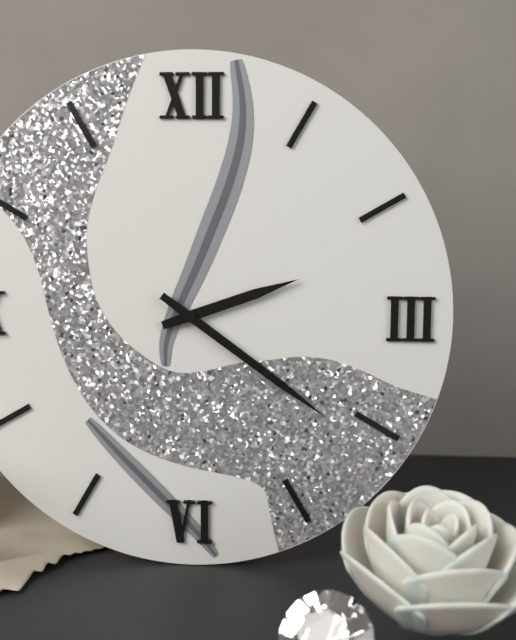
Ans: {"hour": 2, "minute": 21}
